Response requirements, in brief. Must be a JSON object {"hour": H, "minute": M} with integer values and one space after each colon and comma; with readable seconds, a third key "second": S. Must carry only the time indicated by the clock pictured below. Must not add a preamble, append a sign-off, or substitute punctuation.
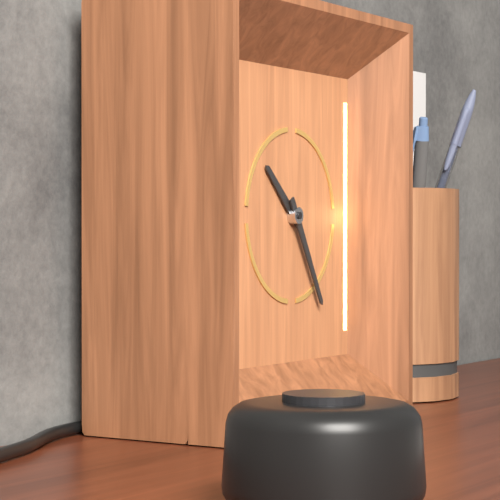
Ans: {"hour": 10, "minute": 25}
